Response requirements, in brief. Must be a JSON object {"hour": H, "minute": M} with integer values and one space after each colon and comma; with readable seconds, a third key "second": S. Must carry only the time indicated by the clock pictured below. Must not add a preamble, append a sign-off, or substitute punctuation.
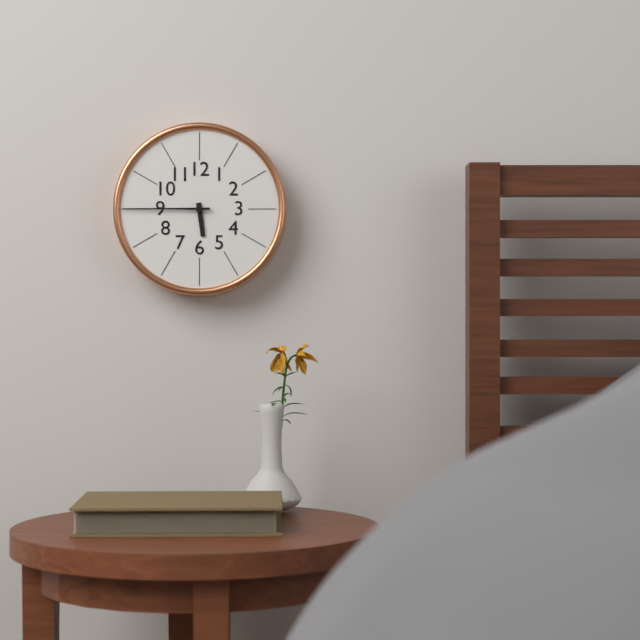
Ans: {"hour": 5, "minute": 45}
